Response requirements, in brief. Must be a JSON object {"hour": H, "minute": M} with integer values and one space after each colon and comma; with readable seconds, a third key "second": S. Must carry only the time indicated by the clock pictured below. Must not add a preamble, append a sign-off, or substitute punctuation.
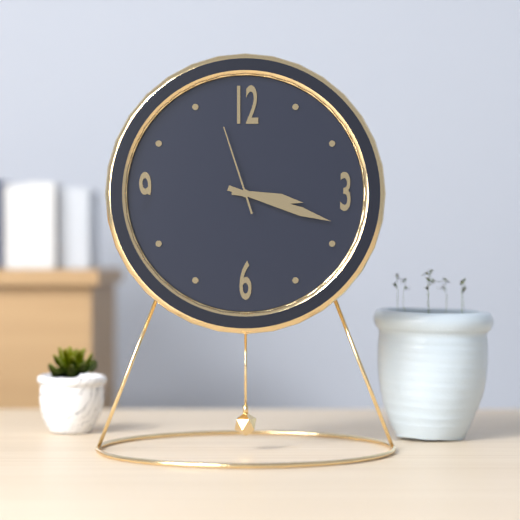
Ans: {"hour": 3, "minute": 18, "second": 57}
